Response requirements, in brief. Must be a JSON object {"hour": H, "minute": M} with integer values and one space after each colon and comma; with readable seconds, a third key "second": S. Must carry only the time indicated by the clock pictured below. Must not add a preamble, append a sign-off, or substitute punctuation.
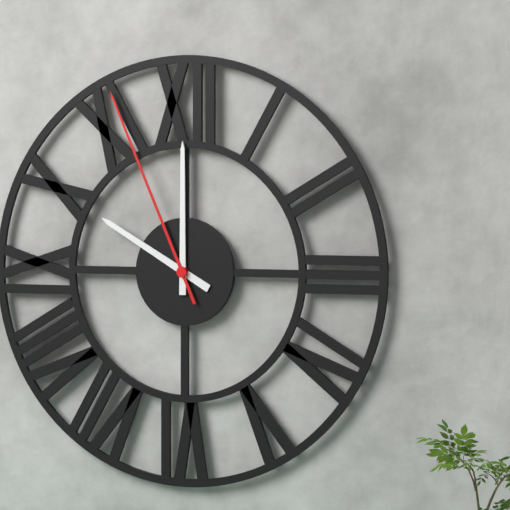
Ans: {"hour": 10, "minute": 0, "second": 56}
